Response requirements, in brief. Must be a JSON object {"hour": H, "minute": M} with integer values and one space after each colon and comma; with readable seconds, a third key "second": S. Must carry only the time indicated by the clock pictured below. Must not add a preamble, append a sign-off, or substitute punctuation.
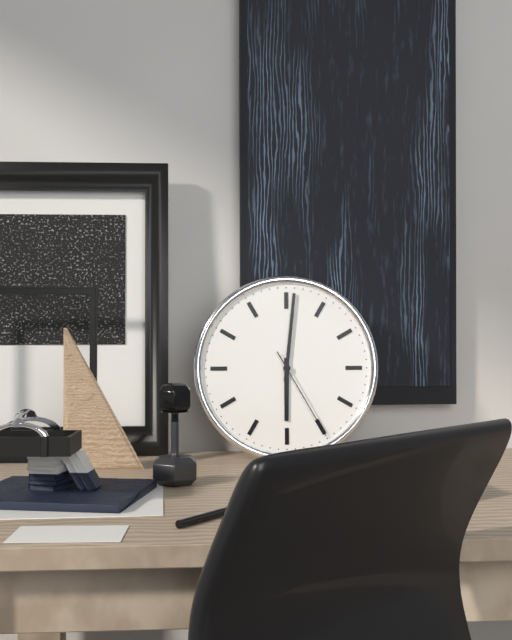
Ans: {"hour": 6, "minute": 1, "second": 25}
